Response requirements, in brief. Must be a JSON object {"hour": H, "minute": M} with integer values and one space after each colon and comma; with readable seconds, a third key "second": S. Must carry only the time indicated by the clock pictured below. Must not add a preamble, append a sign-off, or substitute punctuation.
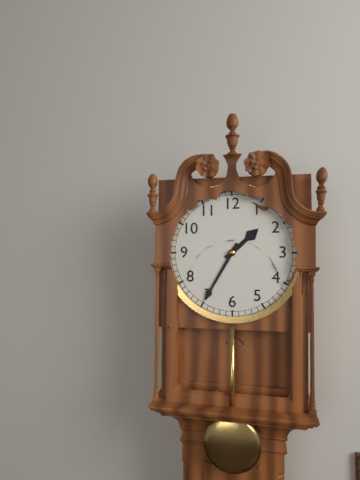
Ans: {"hour": 1, "minute": 35}
